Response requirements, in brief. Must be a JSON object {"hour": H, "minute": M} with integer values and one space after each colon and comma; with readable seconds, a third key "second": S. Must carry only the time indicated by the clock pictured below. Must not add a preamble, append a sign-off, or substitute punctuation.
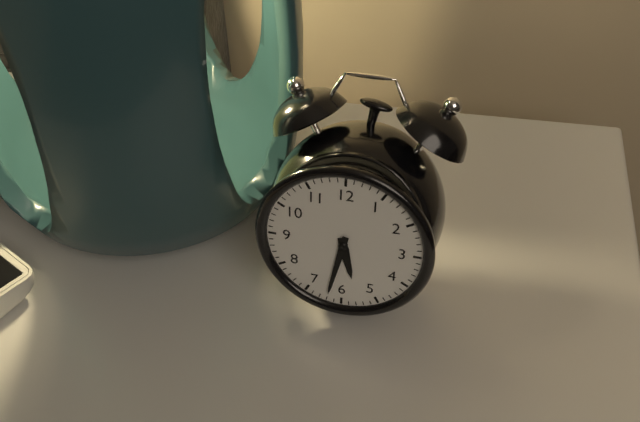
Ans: {"hour": 5, "minute": 32}
